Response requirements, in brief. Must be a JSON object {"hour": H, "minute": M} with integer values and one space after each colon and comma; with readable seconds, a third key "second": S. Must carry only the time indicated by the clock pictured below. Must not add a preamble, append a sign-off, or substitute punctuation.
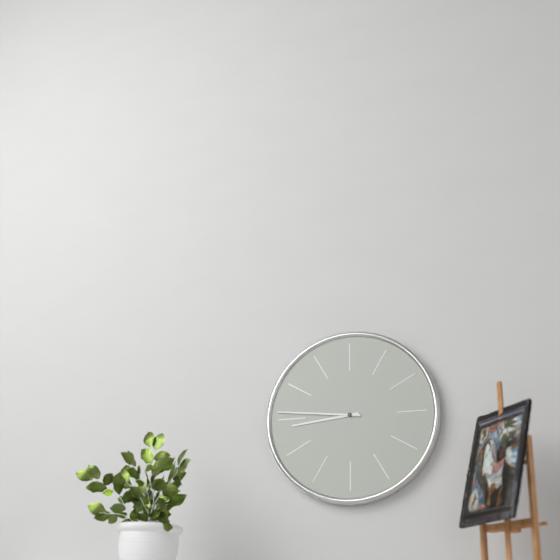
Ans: {"hour": 8, "minute": 46}
